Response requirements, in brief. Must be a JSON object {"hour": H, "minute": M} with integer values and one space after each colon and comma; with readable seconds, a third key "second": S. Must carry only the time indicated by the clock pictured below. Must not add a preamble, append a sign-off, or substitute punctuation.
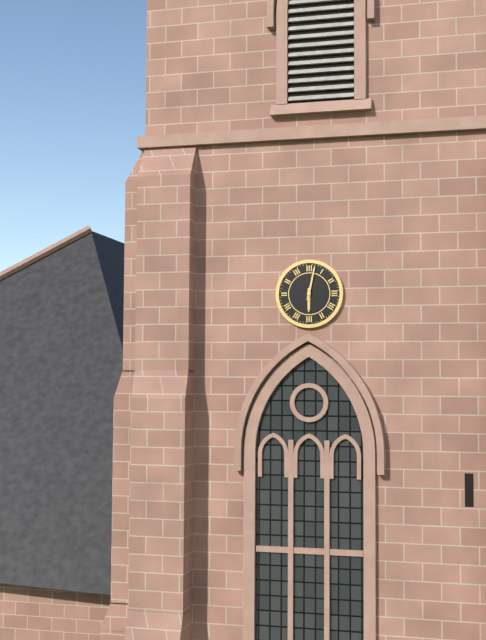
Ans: {"hour": 6, "minute": 2}
